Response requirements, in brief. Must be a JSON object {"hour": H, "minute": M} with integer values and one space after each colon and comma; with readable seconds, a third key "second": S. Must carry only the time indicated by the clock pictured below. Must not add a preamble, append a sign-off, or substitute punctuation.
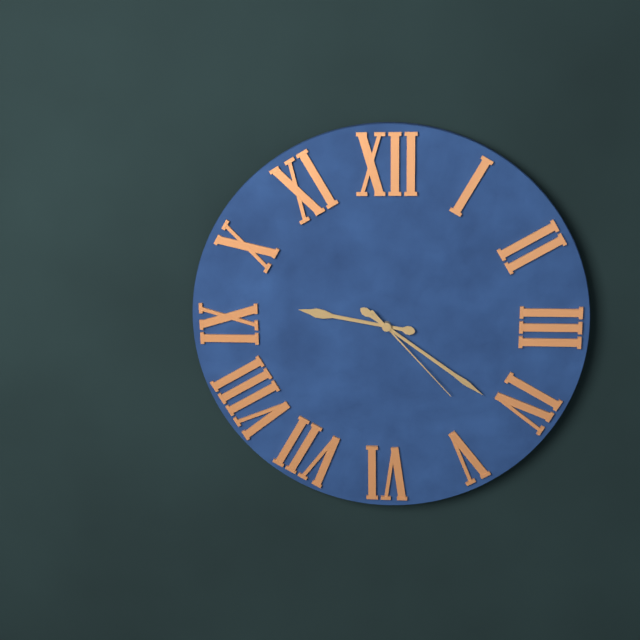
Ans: {"hour": 9, "minute": 21, "second": 23}
